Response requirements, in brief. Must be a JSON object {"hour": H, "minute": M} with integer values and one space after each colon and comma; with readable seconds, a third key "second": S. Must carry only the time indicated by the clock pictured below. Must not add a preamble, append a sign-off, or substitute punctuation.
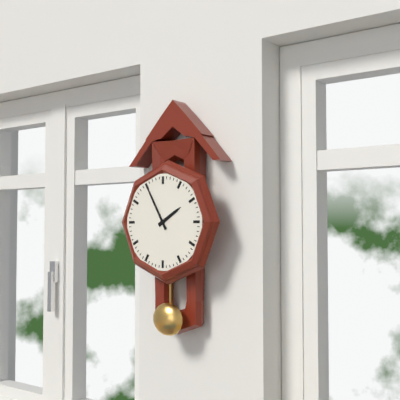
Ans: {"hour": 1, "minute": 55}
